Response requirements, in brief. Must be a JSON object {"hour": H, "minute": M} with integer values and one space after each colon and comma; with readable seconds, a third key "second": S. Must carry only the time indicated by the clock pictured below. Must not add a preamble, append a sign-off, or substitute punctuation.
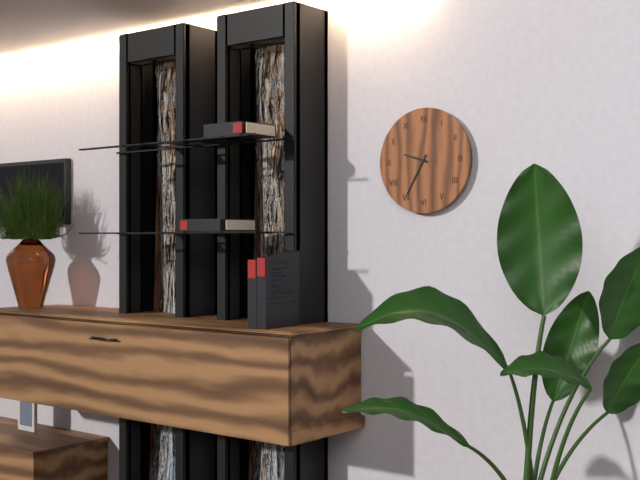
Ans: {"hour": 9, "minute": 35}
